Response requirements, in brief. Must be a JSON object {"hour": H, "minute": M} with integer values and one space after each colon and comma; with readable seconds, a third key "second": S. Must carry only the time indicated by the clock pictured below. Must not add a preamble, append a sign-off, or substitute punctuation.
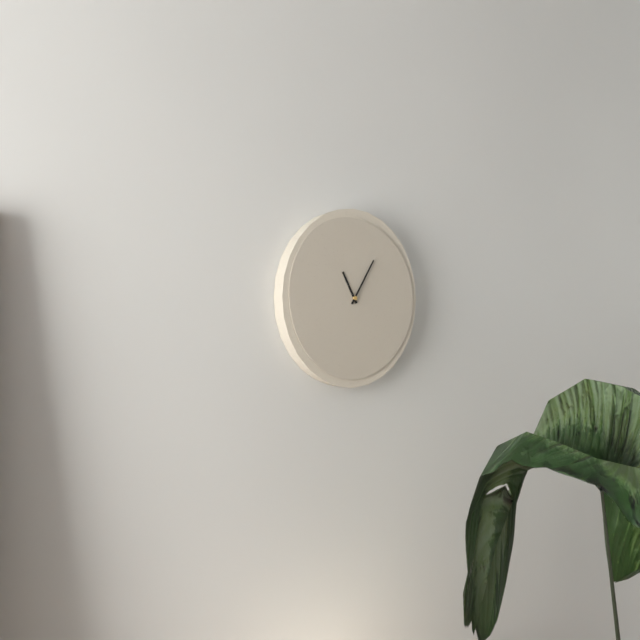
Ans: {"hour": 11, "minute": 5}
